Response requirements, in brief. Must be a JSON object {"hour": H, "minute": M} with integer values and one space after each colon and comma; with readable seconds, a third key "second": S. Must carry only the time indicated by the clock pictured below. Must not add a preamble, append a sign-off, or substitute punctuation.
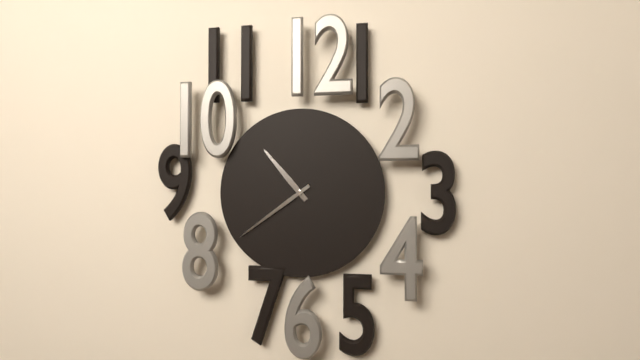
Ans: {"hour": 10, "minute": 39}
